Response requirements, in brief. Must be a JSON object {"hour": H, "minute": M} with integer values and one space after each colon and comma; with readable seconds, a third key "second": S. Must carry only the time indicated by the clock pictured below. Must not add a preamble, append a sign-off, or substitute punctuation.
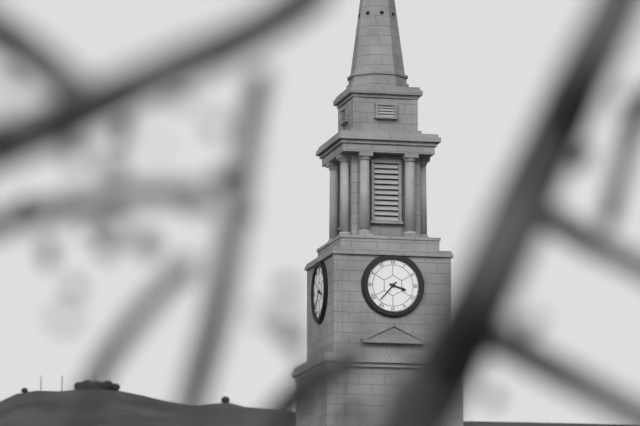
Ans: {"hour": 3, "minute": 37}
